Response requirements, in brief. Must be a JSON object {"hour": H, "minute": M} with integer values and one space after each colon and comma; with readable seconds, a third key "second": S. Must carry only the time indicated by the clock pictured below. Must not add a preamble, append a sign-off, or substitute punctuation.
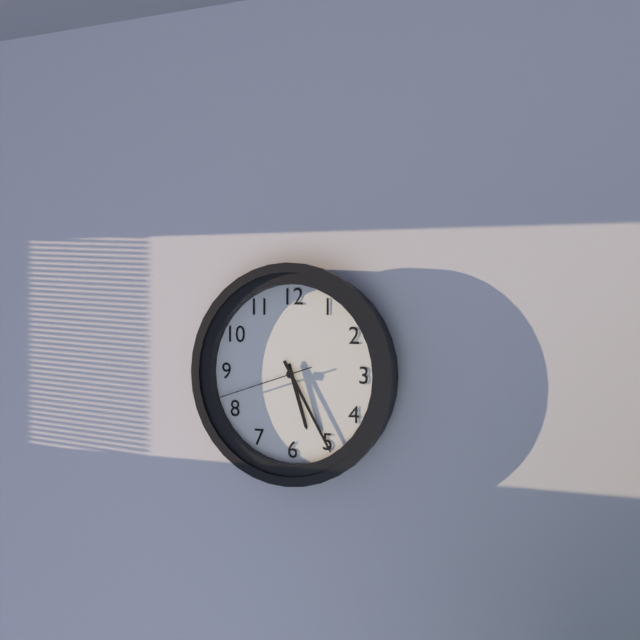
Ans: {"hour": 5, "minute": 25, "second": 42}
